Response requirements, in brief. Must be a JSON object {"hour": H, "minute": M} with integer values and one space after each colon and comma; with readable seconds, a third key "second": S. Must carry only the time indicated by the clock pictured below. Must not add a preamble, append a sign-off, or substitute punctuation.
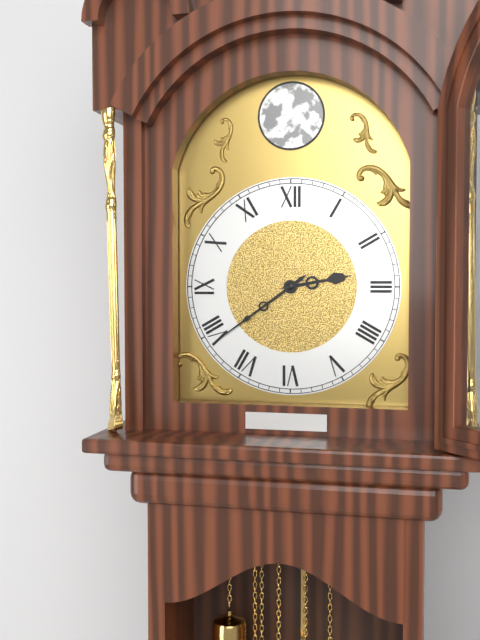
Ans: {"hour": 2, "minute": 39}
